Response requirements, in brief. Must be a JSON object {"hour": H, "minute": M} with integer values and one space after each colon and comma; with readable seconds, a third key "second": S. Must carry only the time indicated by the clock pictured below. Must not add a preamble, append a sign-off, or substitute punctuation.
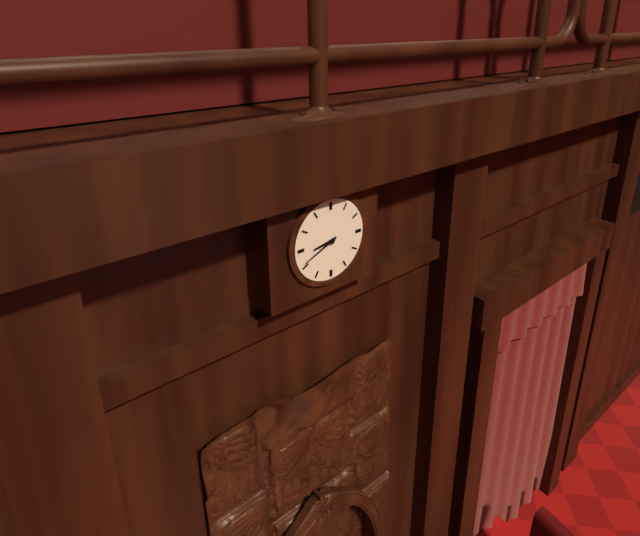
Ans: {"hour": 8, "minute": 41}
